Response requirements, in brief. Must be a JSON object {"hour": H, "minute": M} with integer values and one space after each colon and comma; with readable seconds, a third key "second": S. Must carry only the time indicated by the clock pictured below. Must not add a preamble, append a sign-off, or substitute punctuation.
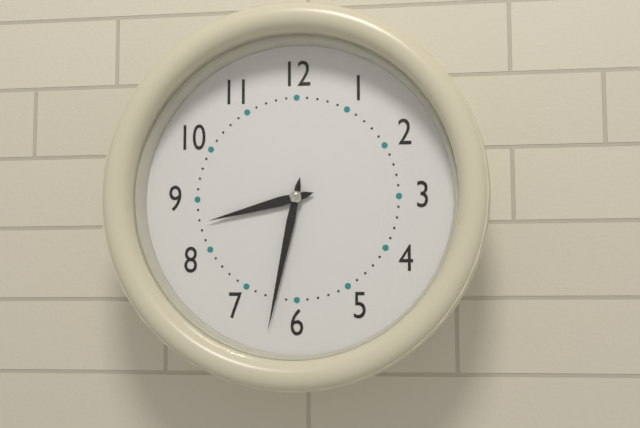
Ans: {"hour": 8, "minute": 32}
